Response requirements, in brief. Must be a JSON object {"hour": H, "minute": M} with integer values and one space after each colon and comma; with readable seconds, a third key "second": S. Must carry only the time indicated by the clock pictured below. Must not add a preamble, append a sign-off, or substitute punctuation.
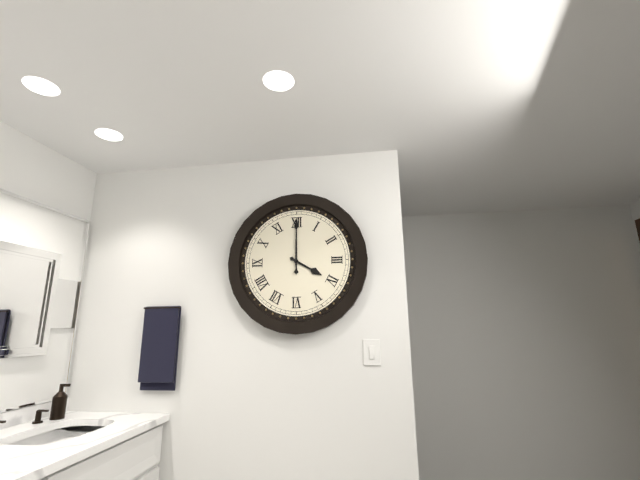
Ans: {"hour": 4, "minute": 0}
